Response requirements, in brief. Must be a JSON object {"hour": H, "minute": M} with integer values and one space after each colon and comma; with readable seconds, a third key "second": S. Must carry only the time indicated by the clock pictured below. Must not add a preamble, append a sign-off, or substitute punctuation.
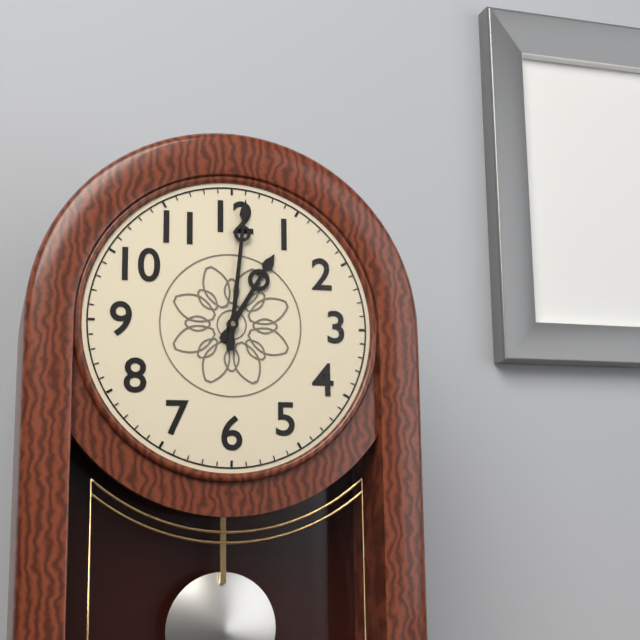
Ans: {"hour": 1, "minute": 1}
